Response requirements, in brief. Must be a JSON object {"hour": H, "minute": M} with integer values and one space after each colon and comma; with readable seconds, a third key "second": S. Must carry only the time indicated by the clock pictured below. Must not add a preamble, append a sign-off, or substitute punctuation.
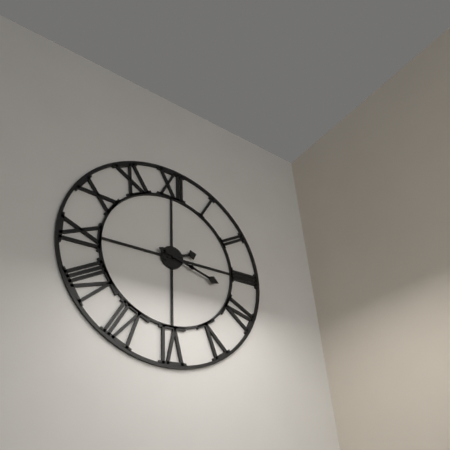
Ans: {"hour": 2, "minute": 18}
